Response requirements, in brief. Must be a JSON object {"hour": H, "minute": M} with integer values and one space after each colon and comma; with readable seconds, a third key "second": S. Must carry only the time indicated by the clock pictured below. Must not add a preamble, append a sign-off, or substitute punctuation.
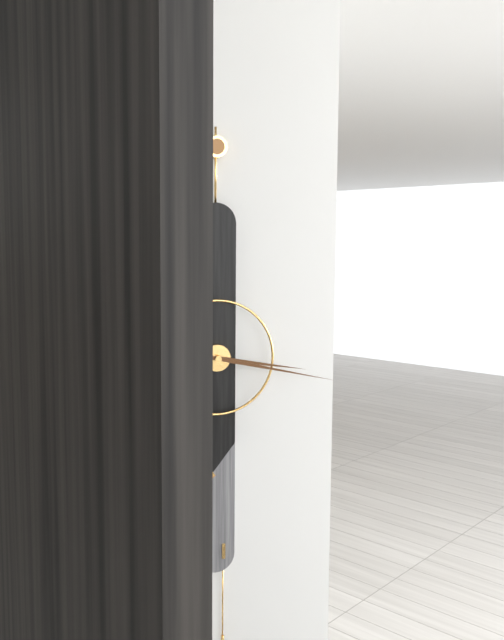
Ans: {"hour": 3, "minute": 17}
